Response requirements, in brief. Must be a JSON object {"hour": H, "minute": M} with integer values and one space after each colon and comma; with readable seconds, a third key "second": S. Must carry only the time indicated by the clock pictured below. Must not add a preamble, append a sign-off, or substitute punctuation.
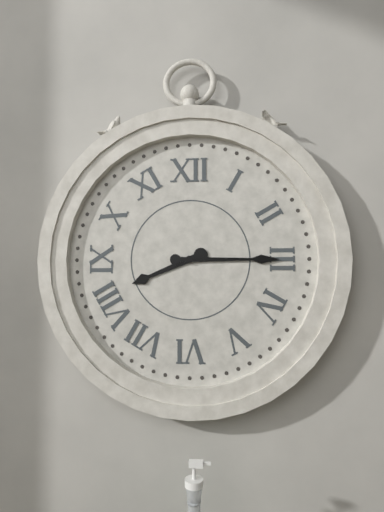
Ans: {"hour": 8, "minute": 15}
